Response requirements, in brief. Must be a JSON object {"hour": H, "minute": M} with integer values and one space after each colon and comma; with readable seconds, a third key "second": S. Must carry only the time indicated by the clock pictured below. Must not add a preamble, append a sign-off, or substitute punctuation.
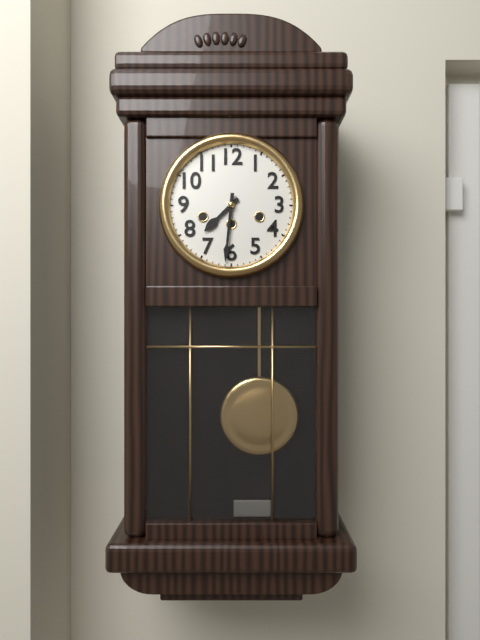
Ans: {"hour": 7, "minute": 31}
